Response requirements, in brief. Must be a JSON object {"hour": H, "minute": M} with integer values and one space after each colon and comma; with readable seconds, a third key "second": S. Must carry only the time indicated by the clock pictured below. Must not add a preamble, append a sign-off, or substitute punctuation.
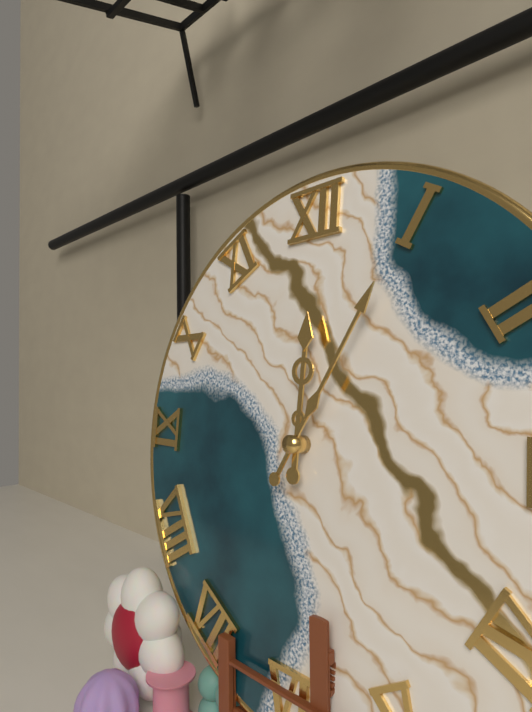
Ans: {"hour": 12, "minute": 5}
